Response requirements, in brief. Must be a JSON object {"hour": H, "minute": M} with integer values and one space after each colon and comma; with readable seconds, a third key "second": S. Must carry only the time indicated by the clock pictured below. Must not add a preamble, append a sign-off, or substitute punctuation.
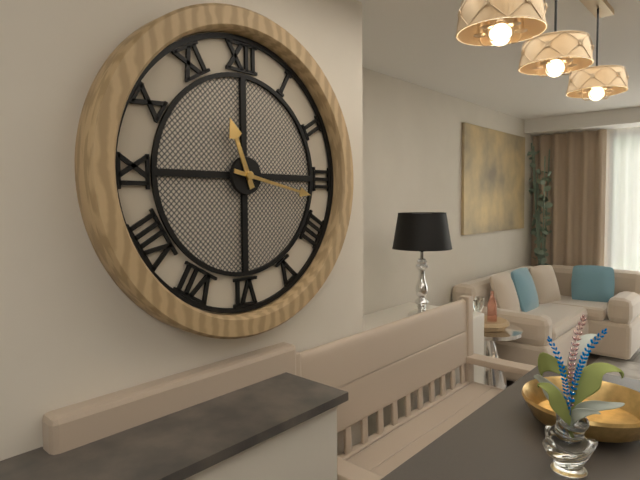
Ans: {"hour": 11, "minute": 17}
